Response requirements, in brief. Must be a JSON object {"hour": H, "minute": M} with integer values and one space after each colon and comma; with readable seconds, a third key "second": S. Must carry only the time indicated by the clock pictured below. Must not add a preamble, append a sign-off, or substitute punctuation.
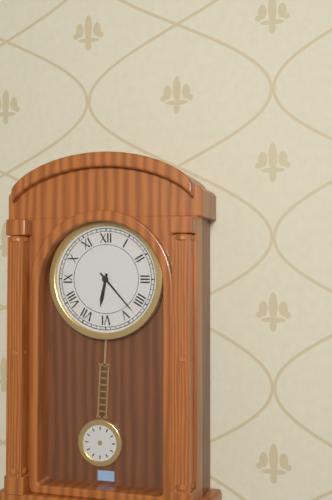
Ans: {"hour": 6, "minute": 23}
